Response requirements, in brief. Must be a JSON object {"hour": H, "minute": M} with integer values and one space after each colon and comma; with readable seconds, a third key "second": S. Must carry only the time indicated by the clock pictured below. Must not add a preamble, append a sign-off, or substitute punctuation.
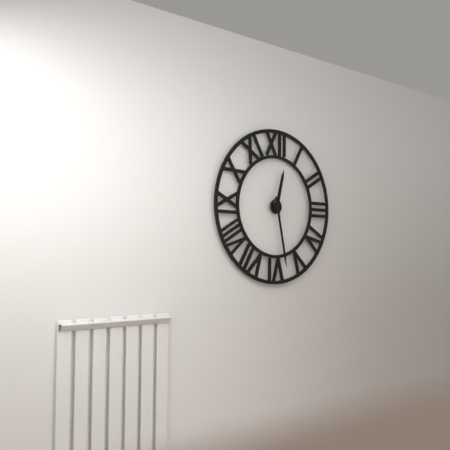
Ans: {"hour": 12, "minute": 28}
